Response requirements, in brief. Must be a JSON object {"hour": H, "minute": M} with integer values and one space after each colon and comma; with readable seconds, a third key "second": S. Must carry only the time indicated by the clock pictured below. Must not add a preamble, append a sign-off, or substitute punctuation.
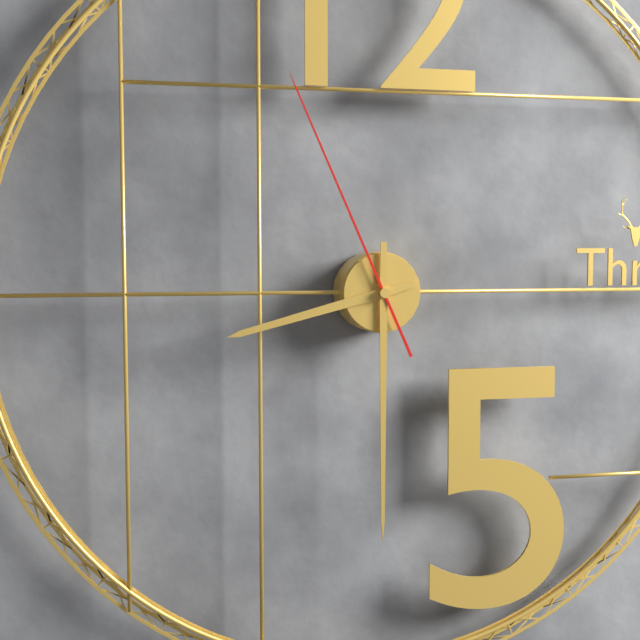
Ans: {"hour": 8, "minute": 30, "second": 56}
